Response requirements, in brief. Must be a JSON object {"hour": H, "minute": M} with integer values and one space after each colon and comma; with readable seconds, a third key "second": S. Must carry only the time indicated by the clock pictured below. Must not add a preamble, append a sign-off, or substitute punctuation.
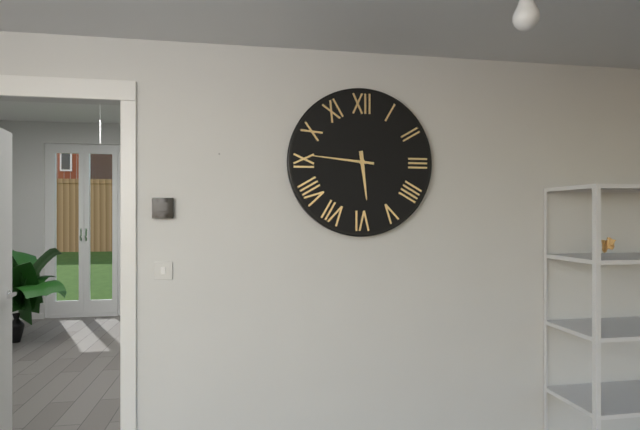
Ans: {"hour": 5, "minute": 46}
